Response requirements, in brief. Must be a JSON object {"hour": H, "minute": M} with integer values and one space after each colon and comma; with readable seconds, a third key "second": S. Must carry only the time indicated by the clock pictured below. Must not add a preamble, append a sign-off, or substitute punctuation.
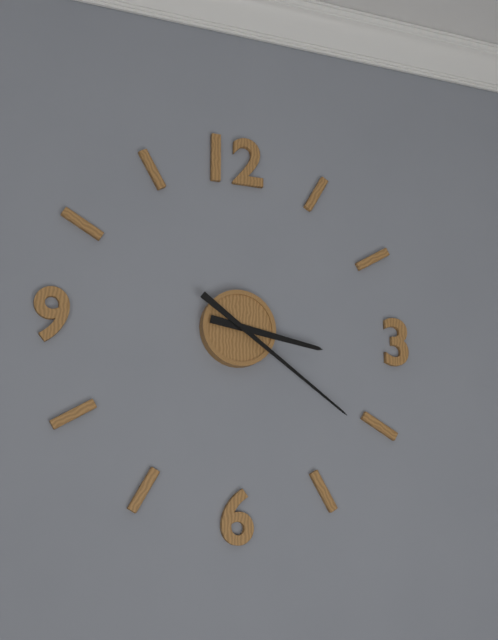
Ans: {"hour": 3, "minute": 21}
